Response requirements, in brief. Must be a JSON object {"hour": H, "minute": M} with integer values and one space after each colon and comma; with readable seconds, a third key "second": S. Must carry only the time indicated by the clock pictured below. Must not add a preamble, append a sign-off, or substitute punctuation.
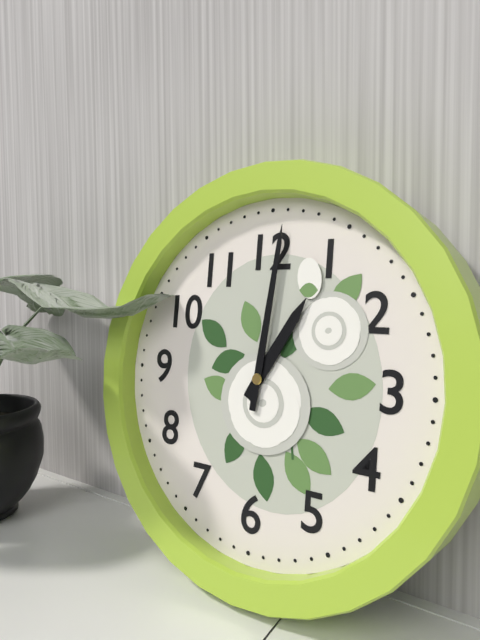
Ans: {"hour": 1, "minute": 1}
